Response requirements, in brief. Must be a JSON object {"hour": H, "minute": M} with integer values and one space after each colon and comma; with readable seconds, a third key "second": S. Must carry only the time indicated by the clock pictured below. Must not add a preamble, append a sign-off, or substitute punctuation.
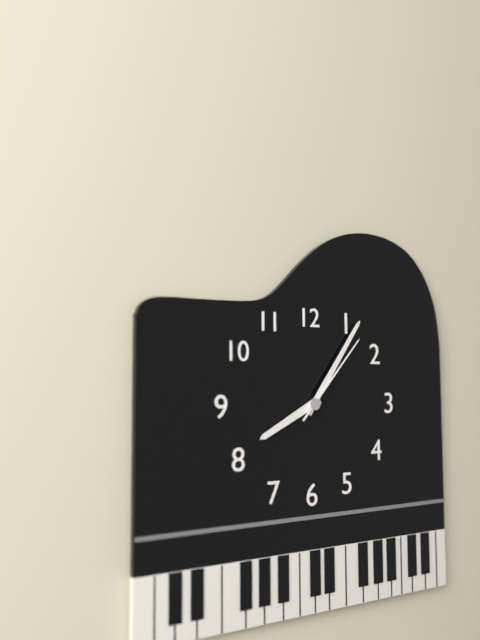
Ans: {"hour": 8, "minute": 6, "second": 7}
